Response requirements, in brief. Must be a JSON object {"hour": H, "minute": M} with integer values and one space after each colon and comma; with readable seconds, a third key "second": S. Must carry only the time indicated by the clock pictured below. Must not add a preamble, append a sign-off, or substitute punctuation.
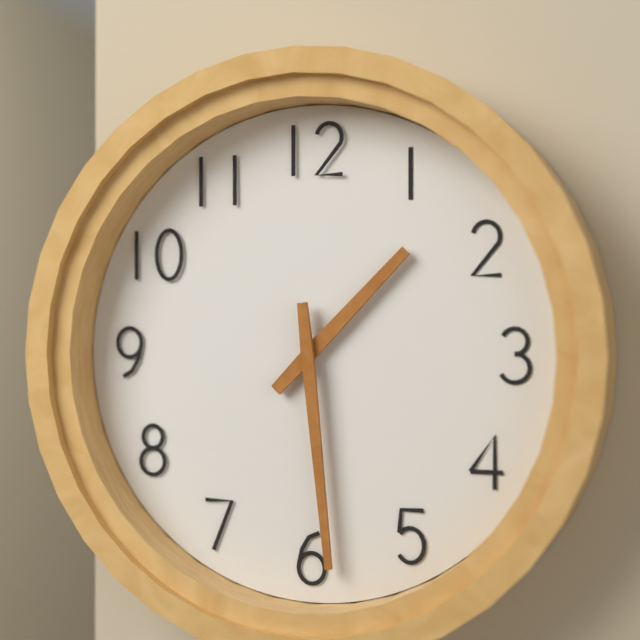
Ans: {"hour": 1, "minute": 29}
